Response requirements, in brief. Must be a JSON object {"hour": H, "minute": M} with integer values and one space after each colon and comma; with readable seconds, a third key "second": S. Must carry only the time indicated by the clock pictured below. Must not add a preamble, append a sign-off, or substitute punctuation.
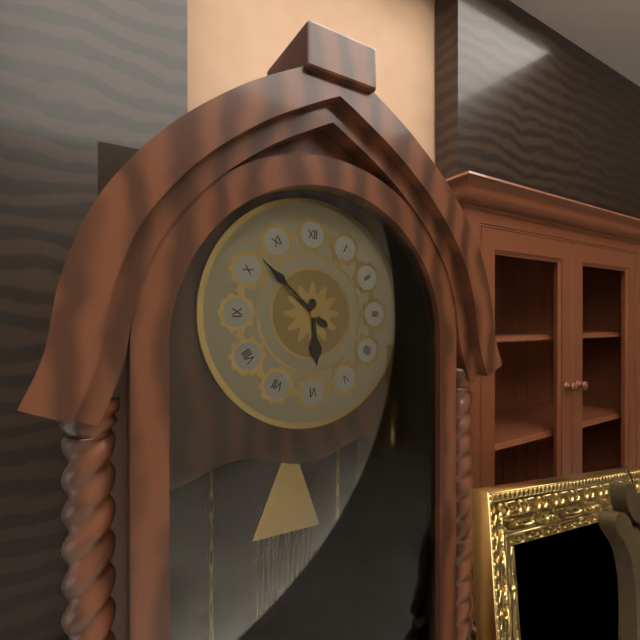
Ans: {"hour": 5, "minute": 52}
